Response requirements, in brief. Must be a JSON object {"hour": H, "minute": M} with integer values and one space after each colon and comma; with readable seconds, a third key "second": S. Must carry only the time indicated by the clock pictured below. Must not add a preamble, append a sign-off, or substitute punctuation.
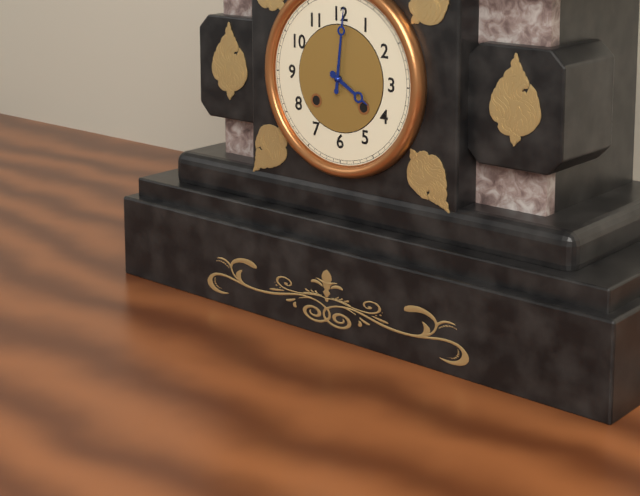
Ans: {"hour": 4, "minute": 1}
